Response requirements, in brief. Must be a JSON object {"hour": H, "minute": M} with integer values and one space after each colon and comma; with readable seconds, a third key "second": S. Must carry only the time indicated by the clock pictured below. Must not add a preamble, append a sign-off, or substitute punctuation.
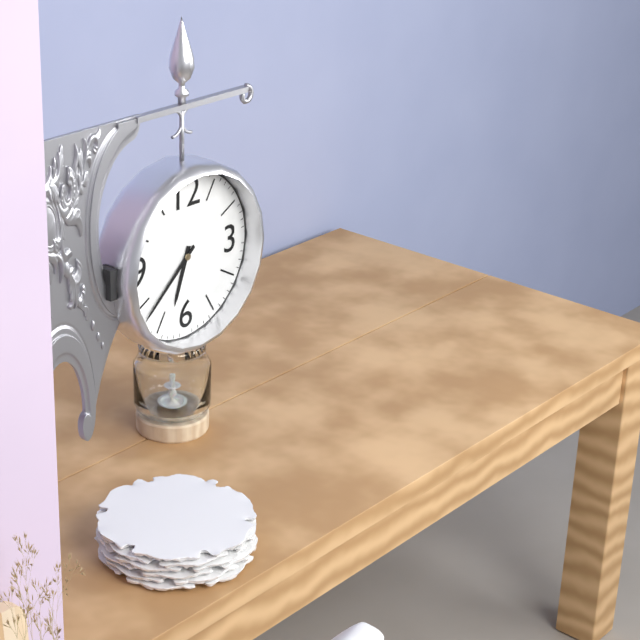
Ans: {"hour": 6, "minute": 38}
